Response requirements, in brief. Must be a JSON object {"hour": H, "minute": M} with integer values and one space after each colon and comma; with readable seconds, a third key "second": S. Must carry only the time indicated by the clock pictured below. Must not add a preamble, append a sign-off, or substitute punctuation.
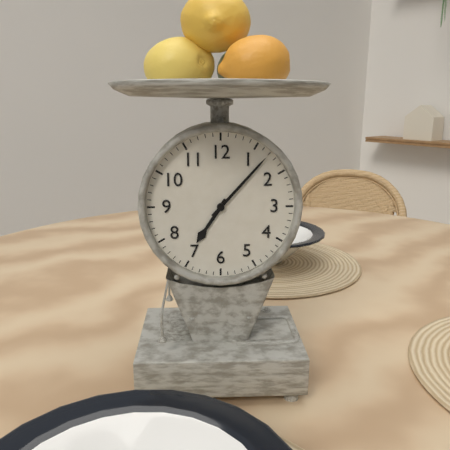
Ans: {"hour": 7, "minute": 7}
